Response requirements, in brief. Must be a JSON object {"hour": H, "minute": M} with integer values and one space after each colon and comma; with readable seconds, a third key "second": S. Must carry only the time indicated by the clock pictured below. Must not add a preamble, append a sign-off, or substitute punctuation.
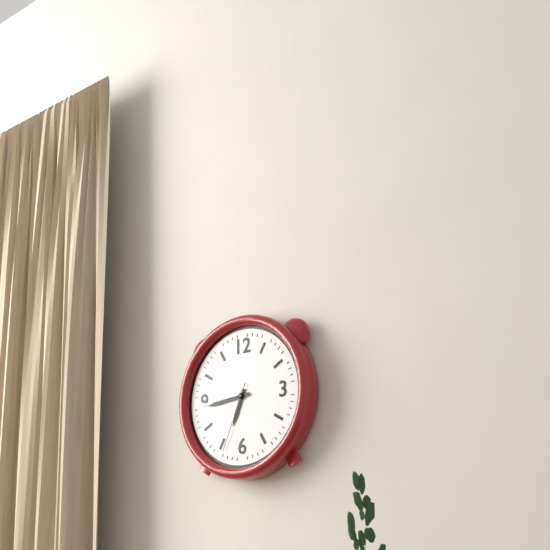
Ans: {"hour": 6, "minute": 44, "second": 34}
